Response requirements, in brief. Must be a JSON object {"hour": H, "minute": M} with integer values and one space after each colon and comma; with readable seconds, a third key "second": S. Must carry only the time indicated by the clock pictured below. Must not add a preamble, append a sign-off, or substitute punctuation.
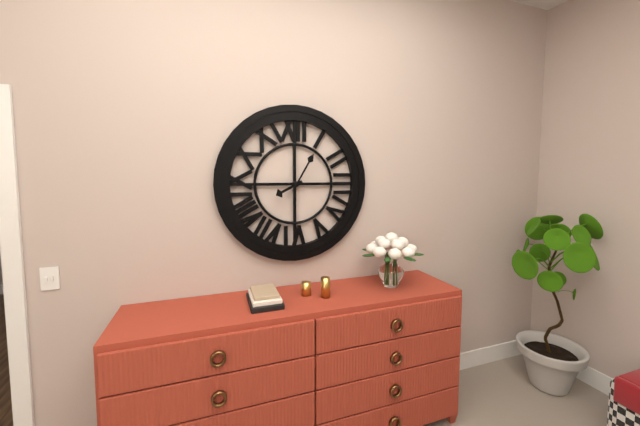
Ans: {"hour": 8, "minute": 5}
